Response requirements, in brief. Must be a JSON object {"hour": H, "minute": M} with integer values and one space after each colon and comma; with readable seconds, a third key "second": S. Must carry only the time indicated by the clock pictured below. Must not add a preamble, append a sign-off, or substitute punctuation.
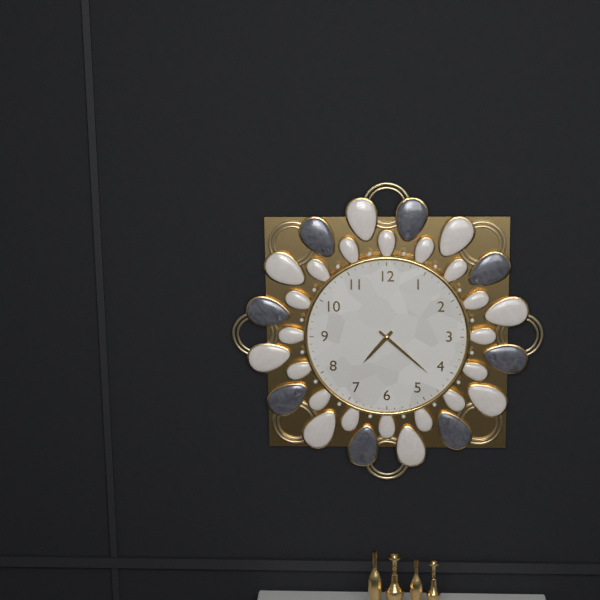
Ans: {"hour": 7, "minute": 22}
